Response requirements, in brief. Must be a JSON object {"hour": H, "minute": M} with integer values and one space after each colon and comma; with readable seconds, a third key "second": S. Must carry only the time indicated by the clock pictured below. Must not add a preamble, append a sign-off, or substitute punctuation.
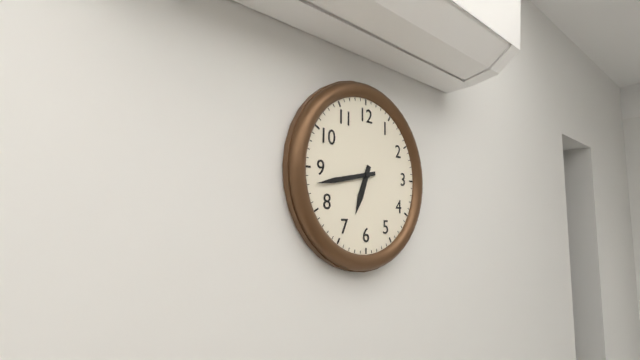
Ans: {"hour": 6, "minute": 43}
